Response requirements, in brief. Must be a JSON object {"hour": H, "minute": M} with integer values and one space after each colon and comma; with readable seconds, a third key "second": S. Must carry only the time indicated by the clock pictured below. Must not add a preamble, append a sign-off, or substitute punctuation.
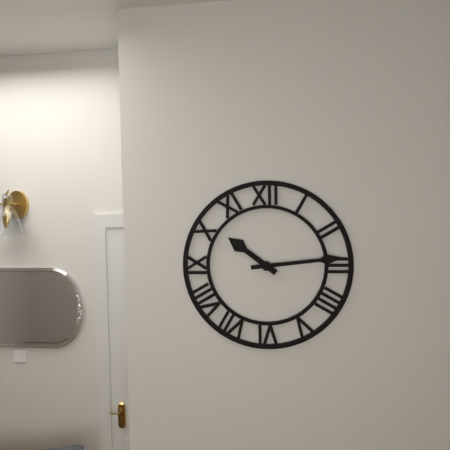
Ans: {"hour": 10, "minute": 14}
